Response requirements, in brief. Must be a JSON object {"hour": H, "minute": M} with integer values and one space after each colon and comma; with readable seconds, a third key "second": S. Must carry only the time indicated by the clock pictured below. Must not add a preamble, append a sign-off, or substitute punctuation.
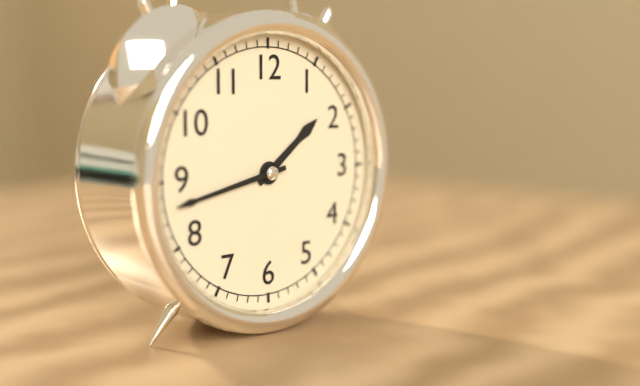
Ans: {"hour": 1, "minute": 43}
